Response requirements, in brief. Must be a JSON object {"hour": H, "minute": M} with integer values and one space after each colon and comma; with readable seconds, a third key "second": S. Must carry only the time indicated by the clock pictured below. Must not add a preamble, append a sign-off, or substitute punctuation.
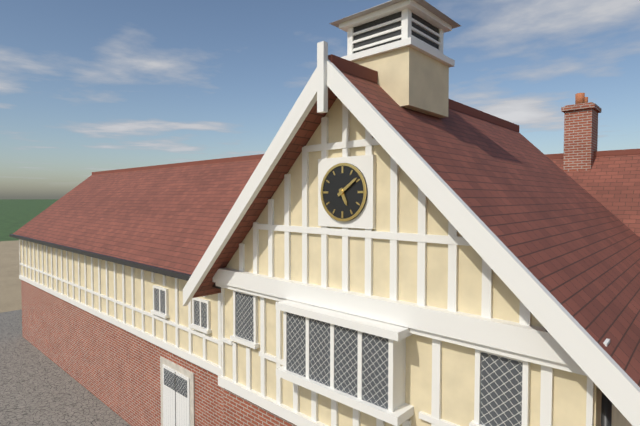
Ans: {"hour": 5, "minute": 9}
